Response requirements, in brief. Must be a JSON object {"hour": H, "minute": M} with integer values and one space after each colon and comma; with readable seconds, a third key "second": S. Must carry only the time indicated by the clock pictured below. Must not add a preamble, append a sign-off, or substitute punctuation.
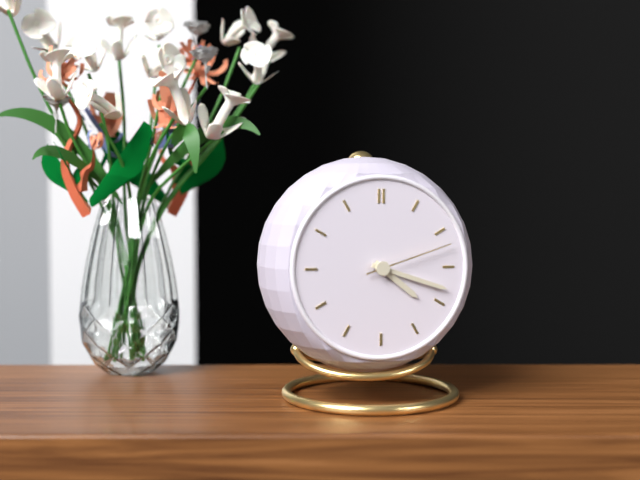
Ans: {"hour": 4, "minute": 18, "second": 12}
